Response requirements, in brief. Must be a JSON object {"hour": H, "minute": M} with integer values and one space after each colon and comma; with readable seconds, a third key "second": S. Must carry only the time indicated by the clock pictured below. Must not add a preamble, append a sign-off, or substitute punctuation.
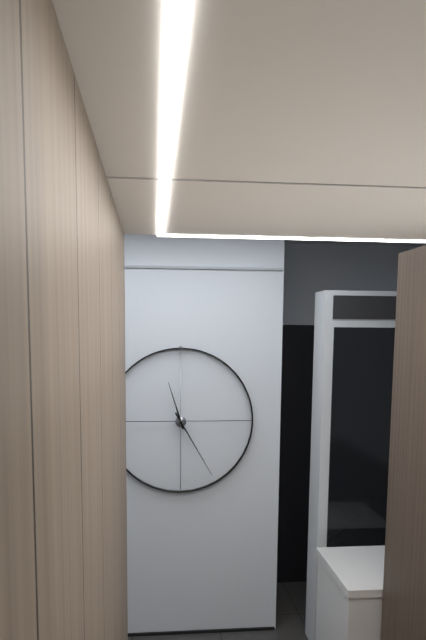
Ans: {"hour": 11, "minute": 25}
